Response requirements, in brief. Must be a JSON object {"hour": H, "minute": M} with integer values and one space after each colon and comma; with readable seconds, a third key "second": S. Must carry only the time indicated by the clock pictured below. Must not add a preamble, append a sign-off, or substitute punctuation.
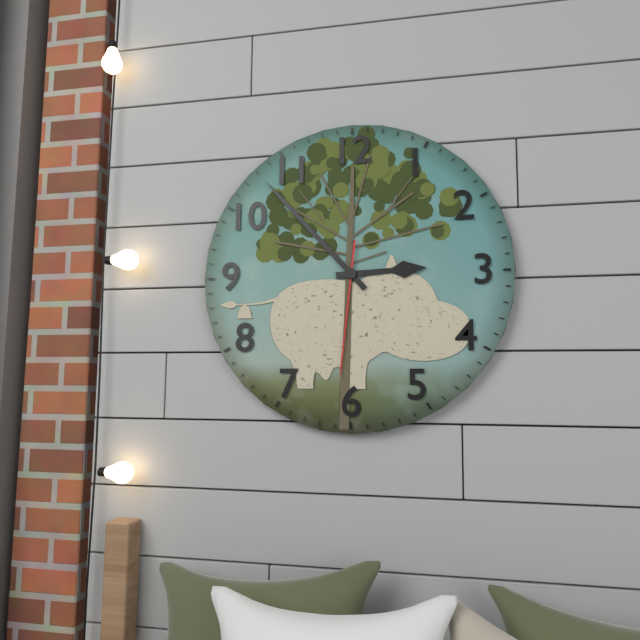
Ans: {"hour": 2, "minute": 53, "second": 31}
